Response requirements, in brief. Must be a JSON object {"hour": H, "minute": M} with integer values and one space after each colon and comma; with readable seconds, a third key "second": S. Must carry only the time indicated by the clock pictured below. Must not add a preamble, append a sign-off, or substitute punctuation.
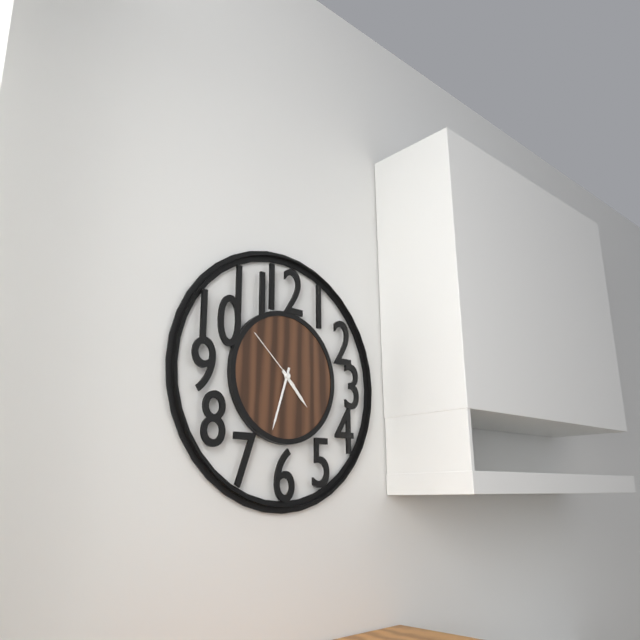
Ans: {"hour": 4, "minute": 33, "second": 52}
